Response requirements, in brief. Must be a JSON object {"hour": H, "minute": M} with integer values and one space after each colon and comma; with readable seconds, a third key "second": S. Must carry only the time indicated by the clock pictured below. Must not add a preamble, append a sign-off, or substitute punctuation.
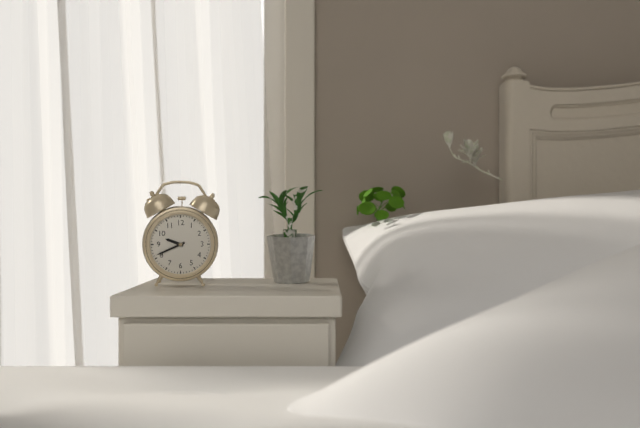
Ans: {"hour": 9, "minute": 41}
